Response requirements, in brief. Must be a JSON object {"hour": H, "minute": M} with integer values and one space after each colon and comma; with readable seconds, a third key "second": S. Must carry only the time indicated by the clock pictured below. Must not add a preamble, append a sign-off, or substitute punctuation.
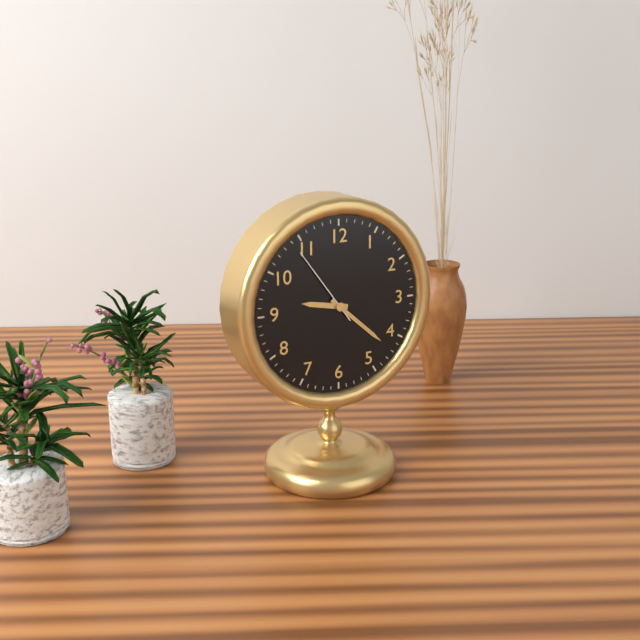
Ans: {"hour": 9, "minute": 22, "second": 54}
